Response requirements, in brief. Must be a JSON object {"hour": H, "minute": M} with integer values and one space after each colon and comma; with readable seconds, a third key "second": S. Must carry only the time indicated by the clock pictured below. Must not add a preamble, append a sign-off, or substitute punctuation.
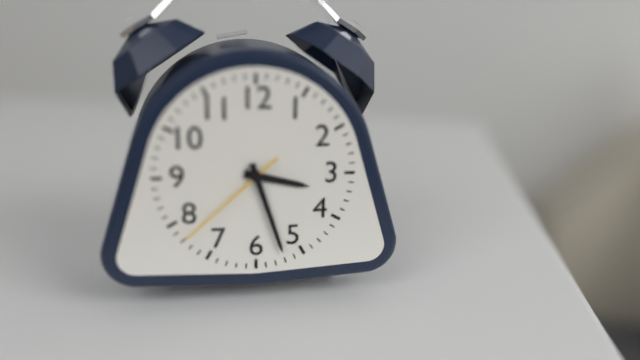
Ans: {"hour": 3, "minute": 27, "second": 38}
